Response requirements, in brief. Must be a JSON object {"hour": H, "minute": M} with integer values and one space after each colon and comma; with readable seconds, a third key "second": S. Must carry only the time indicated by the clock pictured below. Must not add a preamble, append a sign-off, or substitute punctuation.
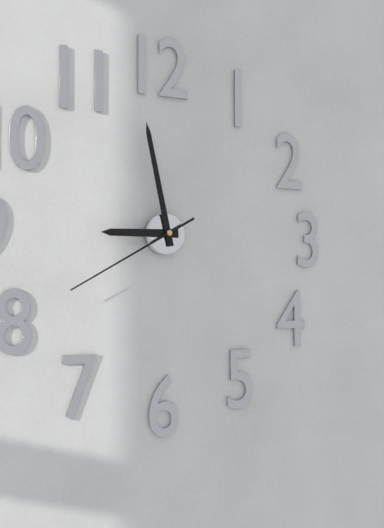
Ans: {"hour": 8, "minute": 58, "second": 40}
